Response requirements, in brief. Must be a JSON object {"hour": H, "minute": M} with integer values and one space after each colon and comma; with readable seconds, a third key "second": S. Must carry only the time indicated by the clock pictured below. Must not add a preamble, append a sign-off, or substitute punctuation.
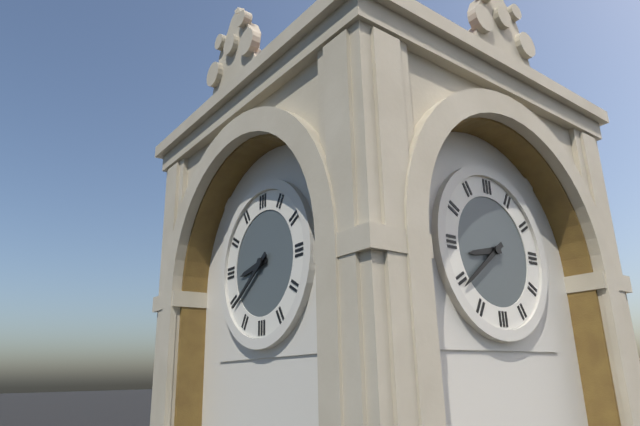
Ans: {"hour": 8, "minute": 39}
